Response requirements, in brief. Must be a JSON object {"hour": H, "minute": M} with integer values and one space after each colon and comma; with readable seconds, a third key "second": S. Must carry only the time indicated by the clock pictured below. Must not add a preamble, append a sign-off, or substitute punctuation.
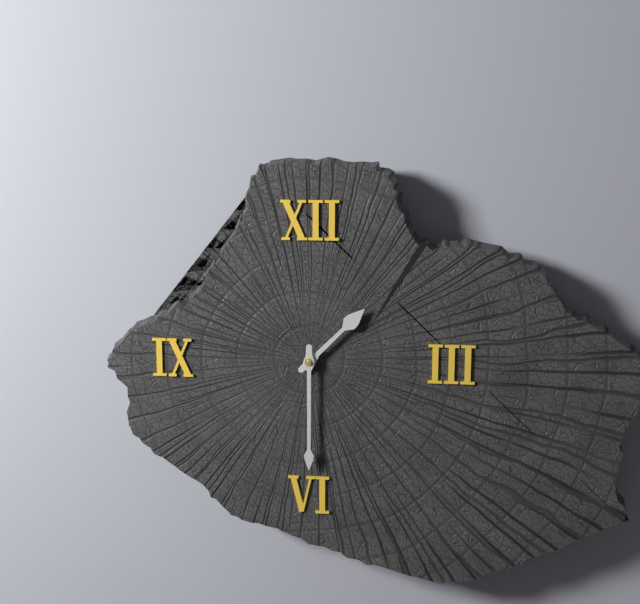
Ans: {"hour": 1, "minute": 30}
